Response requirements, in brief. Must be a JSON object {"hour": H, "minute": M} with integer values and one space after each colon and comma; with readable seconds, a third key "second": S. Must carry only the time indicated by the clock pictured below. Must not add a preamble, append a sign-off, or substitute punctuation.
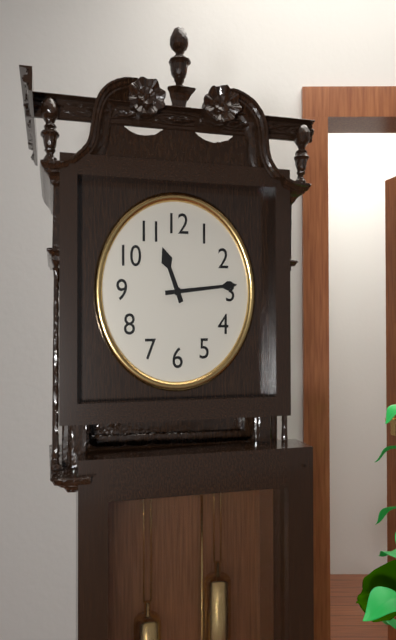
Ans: {"hour": 11, "minute": 14}
